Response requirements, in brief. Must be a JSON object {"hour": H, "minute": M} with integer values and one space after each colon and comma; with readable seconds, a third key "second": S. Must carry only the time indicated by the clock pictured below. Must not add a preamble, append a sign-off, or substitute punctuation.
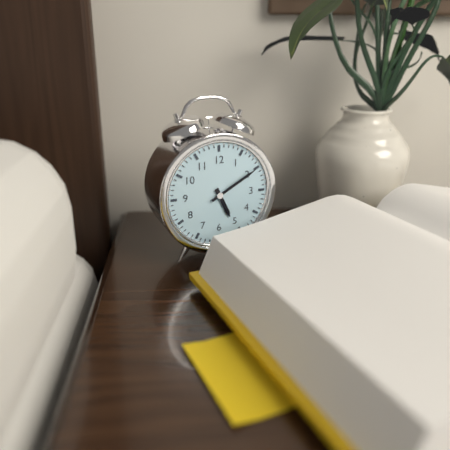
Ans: {"hour": 5, "minute": 10}
